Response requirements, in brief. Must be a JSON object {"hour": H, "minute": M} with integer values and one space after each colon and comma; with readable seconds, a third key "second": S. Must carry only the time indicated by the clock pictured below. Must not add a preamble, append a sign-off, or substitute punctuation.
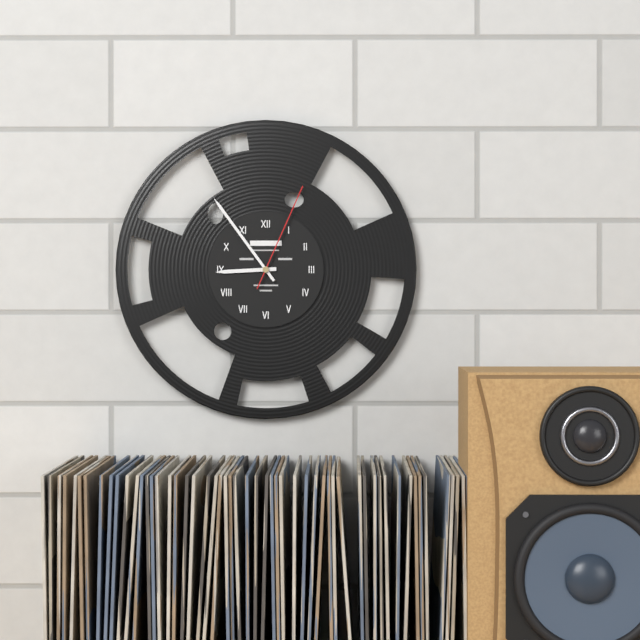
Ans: {"hour": 8, "minute": 54, "second": 4}
